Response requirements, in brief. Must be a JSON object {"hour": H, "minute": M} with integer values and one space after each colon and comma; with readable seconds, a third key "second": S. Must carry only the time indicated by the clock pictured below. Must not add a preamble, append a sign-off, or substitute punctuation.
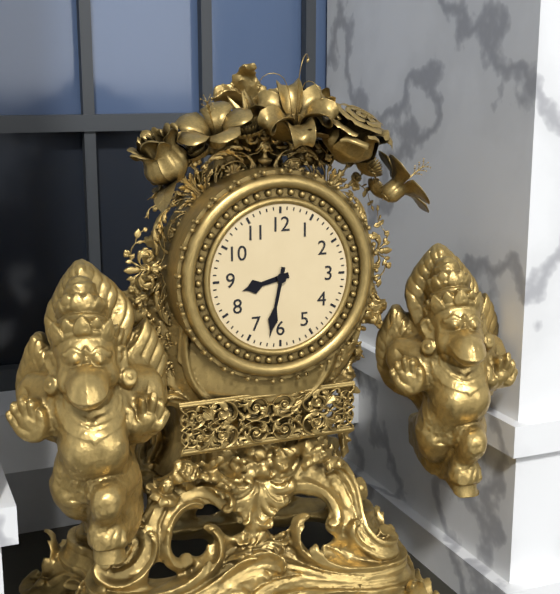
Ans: {"hour": 8, "minute": 32}
